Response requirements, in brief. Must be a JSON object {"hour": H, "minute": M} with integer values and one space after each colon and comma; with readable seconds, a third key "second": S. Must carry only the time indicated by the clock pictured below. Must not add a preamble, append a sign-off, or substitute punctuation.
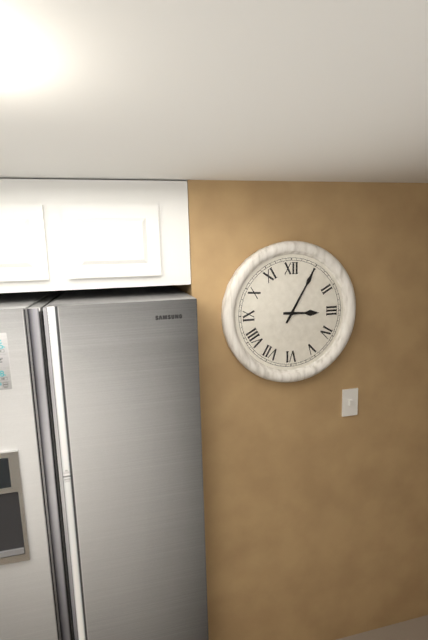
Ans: {"hour": 3, "minute": 5}
